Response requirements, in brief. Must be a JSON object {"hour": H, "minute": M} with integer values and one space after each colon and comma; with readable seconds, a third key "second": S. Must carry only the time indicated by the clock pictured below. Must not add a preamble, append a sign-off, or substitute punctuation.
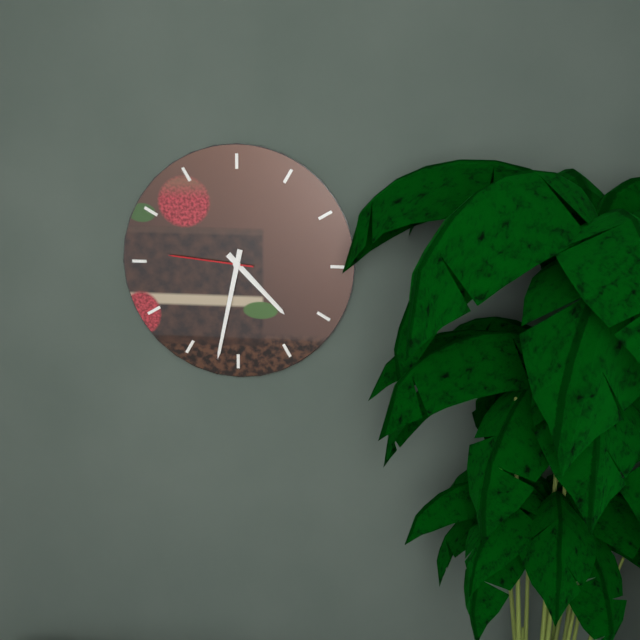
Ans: {"hour": 4, "minute": 32, "second": 46}
